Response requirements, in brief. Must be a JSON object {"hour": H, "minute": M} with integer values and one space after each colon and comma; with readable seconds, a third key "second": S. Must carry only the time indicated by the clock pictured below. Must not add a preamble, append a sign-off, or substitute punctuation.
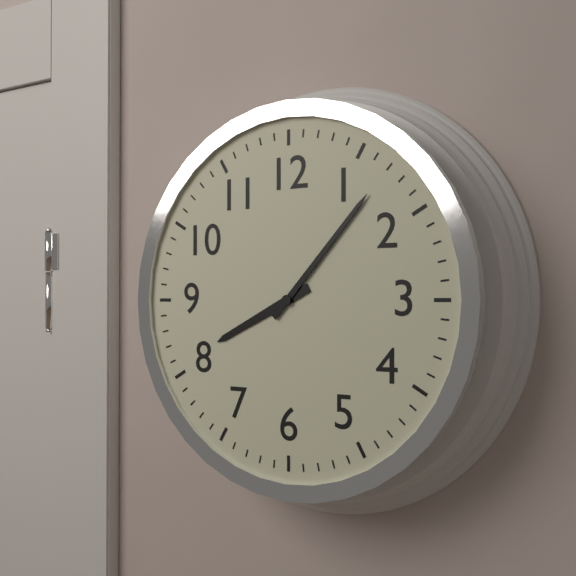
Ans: {"hour": 8, "minute": 7}
